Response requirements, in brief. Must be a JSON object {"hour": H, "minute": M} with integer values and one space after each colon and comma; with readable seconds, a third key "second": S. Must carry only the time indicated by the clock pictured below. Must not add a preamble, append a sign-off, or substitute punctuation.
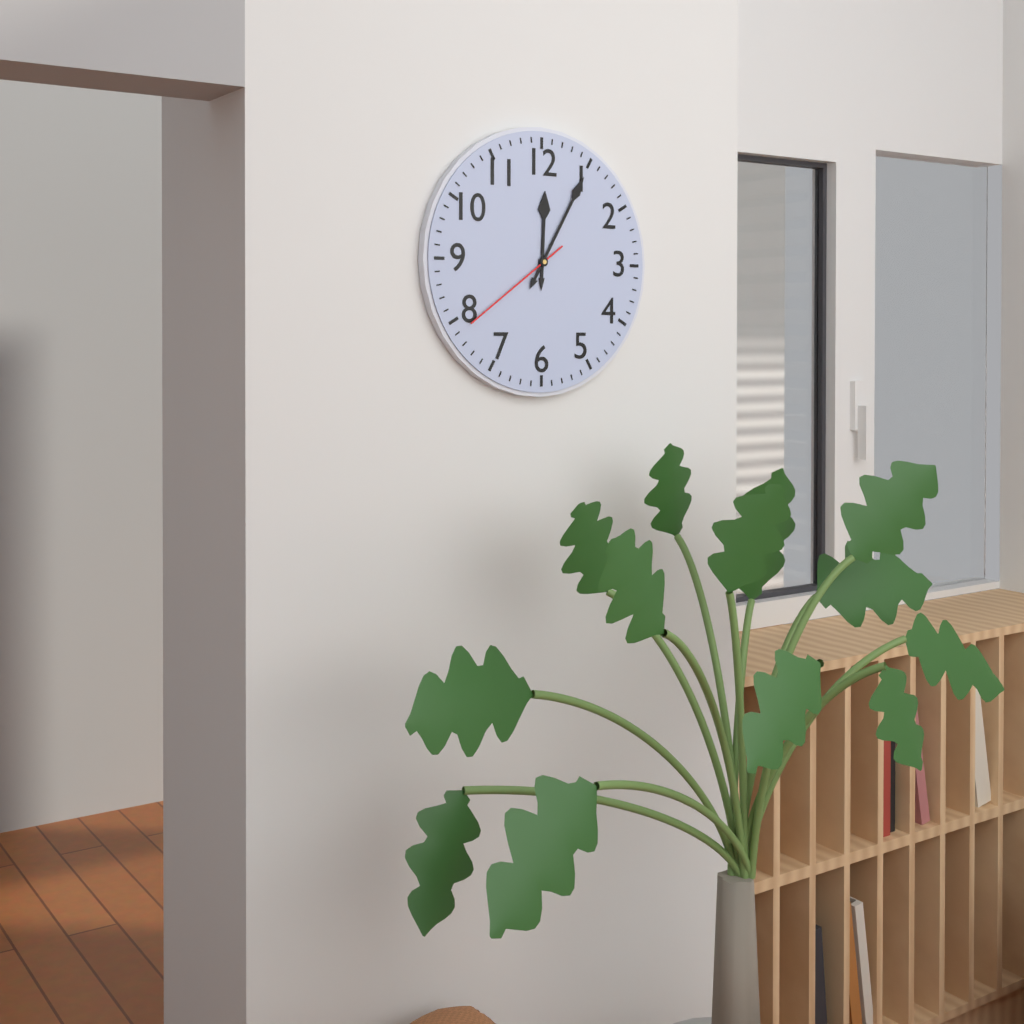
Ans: {"hour": 12, "minute": 5, "second": 39}
